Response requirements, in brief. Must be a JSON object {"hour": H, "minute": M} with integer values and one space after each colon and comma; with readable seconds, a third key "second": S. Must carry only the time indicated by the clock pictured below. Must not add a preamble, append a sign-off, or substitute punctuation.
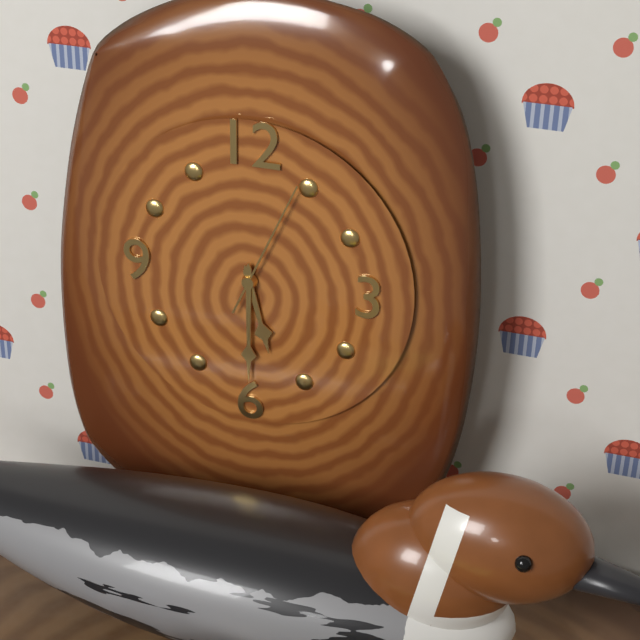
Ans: {"hour": 5, "minute": 30, "second": 4}
